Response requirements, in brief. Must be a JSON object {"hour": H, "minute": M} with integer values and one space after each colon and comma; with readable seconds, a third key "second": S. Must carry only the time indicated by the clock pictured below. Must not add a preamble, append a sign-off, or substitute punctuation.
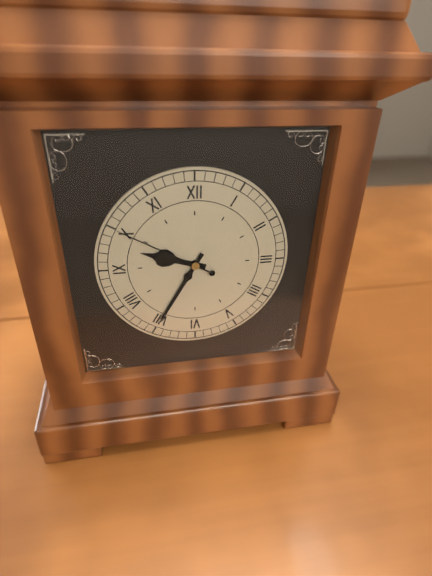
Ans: {"hour": 9, "minute": 35, "second": 50}
